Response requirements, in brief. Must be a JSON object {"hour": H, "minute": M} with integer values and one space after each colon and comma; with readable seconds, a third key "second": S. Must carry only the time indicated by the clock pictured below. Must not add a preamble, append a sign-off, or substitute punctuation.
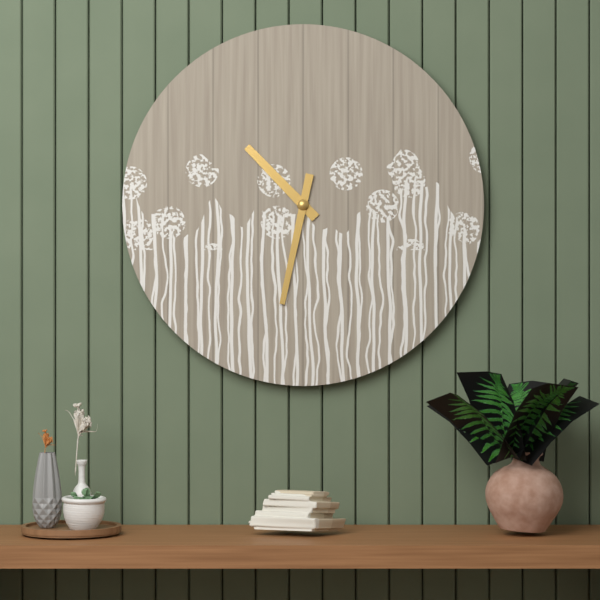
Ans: {"hour": 10, "minute": 32}
